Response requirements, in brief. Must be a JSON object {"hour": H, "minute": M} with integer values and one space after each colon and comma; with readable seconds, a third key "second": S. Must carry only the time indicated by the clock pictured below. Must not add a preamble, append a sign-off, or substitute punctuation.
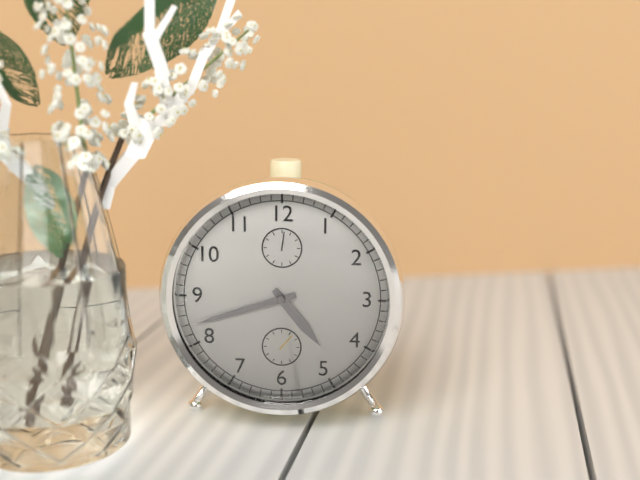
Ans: {"hour": 4, "minute": 42}
